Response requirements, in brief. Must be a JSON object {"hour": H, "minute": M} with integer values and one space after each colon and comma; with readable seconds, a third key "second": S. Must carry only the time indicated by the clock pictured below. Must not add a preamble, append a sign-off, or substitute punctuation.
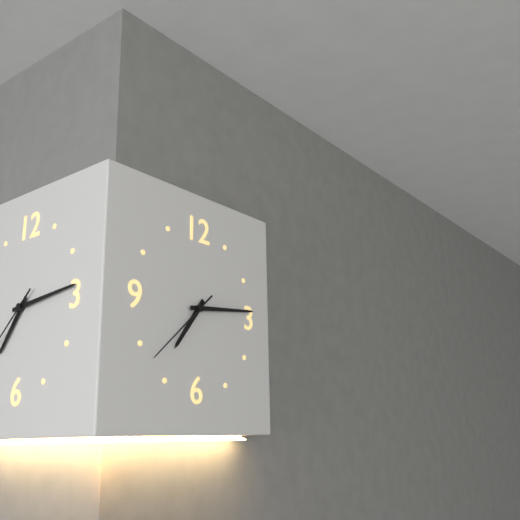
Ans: {"hour": 7, "minute": 14, "second": 38}
